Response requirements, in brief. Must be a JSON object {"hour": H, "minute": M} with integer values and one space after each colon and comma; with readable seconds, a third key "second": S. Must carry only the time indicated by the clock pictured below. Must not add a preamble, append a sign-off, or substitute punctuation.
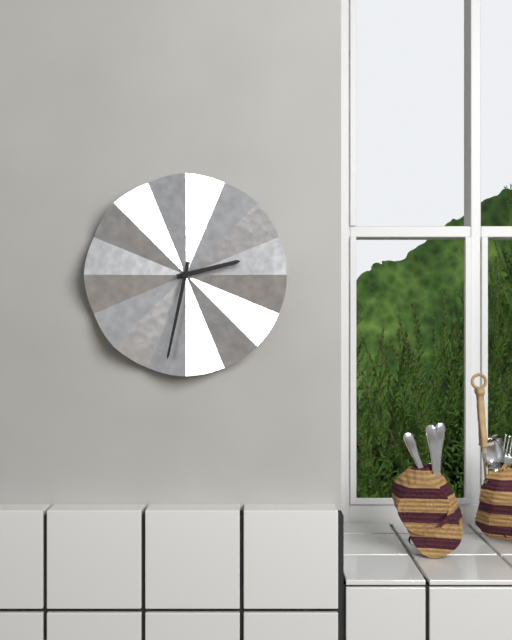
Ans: {"hour": 2, "minute": 32}
